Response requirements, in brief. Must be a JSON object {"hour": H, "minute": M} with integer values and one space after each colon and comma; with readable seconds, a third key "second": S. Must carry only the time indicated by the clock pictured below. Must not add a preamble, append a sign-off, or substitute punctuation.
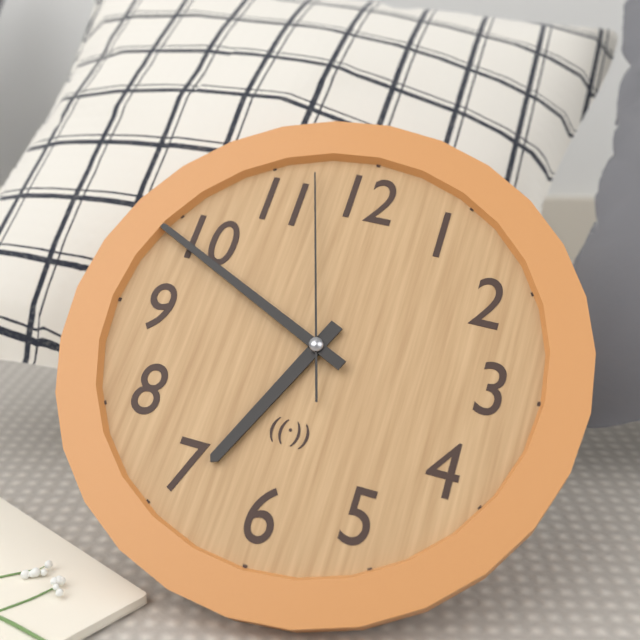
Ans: {"hour": 6, "minute": 49, "second": 57}
